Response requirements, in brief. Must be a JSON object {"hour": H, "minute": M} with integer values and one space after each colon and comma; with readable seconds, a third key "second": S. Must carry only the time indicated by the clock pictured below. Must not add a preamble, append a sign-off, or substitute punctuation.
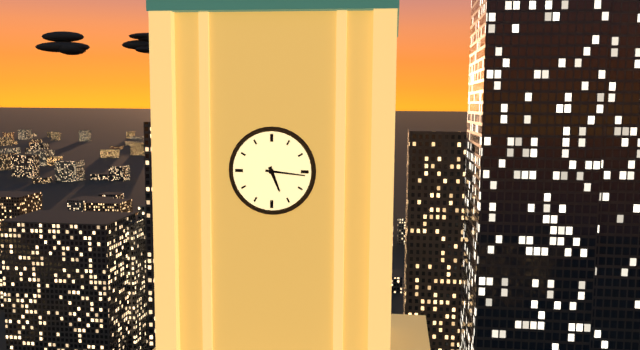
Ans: {"hour": 5, "minute": 16}
